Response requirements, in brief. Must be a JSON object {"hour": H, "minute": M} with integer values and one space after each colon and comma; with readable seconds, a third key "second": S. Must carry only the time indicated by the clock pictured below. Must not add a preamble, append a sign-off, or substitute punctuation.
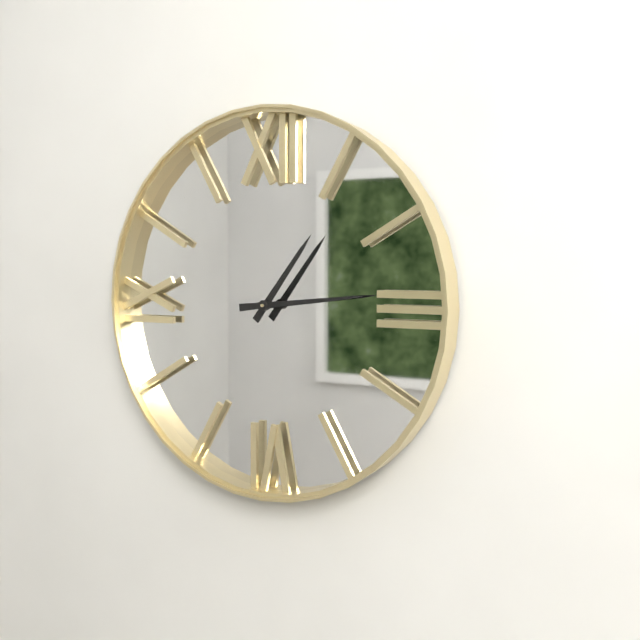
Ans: {"hour": 1, "minute": 14}
